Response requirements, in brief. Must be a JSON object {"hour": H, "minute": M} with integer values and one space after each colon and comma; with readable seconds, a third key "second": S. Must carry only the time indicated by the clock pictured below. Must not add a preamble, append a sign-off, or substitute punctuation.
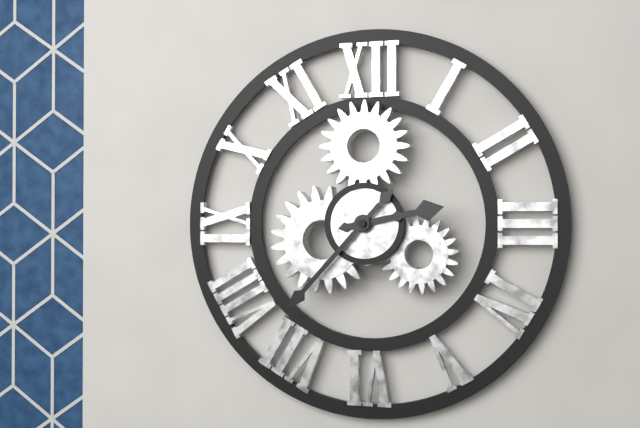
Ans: {"hour": 2, "minute": 37}
